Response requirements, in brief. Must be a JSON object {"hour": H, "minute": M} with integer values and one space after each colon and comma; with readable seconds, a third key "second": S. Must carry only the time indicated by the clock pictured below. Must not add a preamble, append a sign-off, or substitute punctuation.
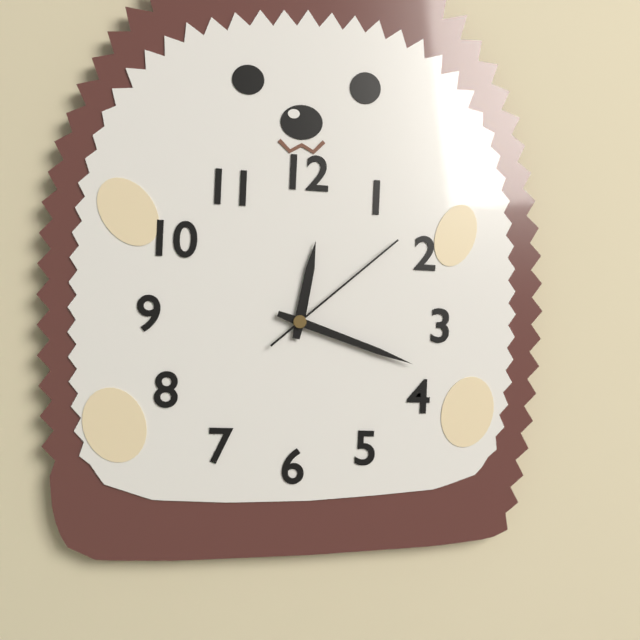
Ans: {"hour": 12, "minute": 18, "second": 8}
